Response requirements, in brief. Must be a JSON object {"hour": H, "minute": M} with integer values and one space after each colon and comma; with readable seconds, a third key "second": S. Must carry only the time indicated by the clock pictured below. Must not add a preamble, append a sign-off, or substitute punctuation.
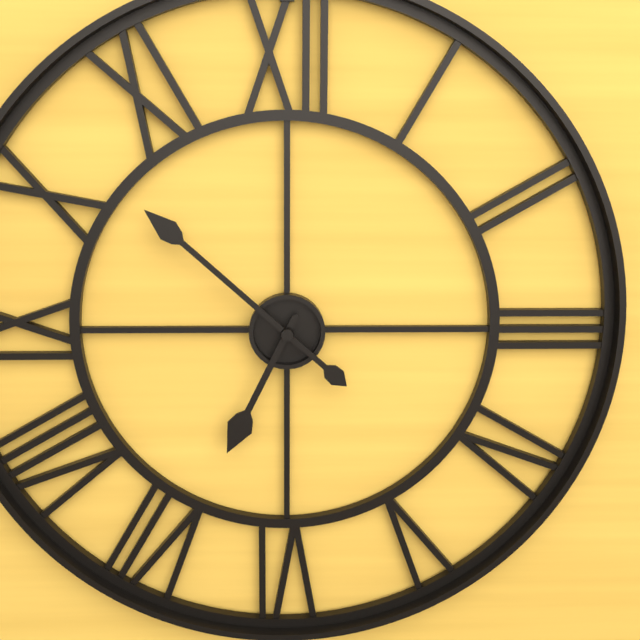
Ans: {"hour": 6, "minute": 52}
